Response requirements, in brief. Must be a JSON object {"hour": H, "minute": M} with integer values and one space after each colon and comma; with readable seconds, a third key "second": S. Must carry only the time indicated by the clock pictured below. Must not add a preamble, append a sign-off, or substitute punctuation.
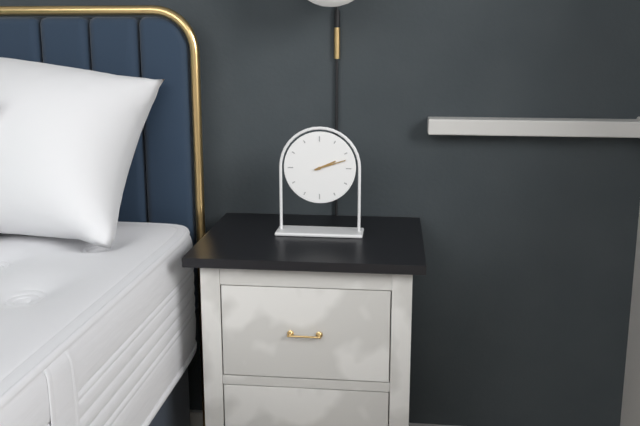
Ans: {"hour": 2, "minute": 12}
